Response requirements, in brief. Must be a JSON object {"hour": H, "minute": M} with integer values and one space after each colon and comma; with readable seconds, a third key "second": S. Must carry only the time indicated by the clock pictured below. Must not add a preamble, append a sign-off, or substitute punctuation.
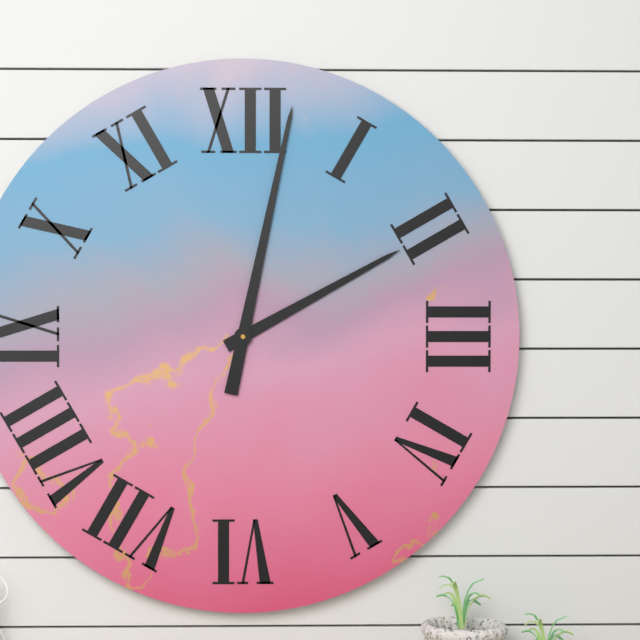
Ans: {"hour": 2, "minute": 2}
